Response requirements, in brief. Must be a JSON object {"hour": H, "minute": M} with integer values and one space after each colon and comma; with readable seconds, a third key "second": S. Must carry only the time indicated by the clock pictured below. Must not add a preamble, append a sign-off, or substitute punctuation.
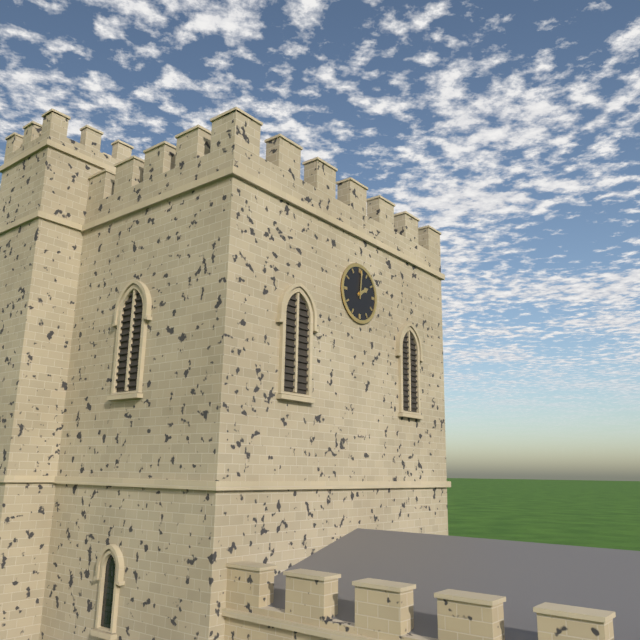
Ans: {"hour": 2, "minute": 1}
